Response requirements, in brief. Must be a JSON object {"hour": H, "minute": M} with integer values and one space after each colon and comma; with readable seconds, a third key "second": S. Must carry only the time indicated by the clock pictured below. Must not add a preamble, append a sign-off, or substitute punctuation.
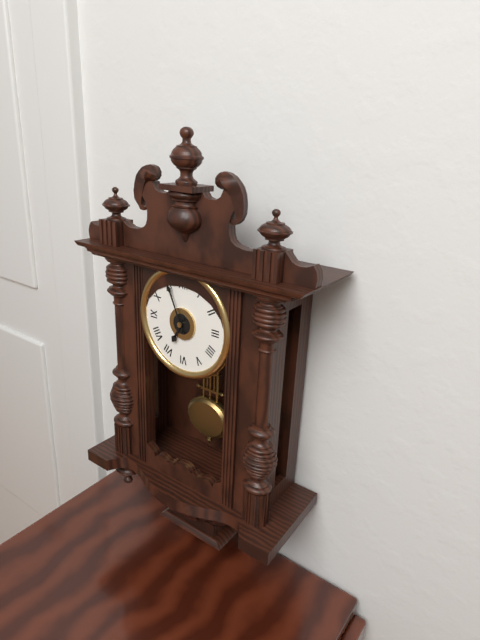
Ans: {"hour": 6, "minute": 56}
